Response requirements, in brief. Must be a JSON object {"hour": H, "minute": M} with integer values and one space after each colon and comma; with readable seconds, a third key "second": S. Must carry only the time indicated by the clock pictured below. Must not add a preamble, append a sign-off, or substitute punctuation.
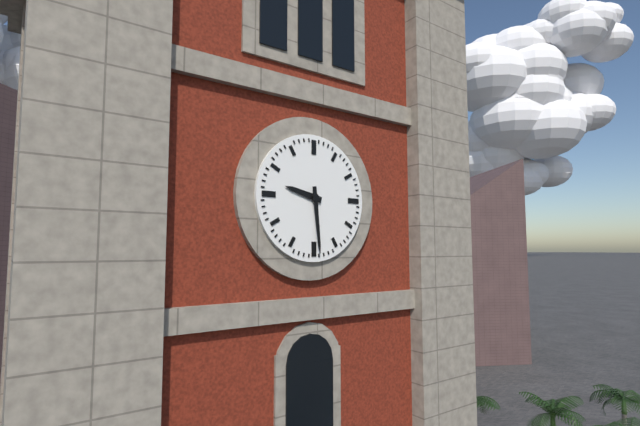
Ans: {"hour": 9, "minute": 29}
